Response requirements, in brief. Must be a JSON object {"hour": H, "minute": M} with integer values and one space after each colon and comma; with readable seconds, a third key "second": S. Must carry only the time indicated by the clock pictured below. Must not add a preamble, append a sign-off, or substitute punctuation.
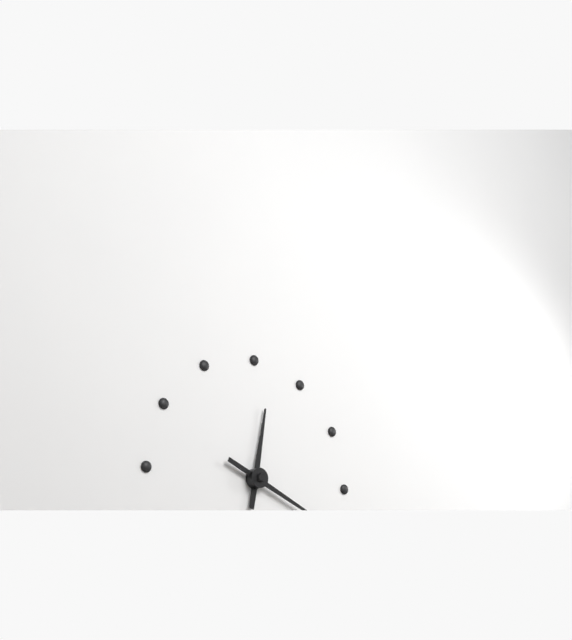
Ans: {"hour": 12, "minute": 19}
